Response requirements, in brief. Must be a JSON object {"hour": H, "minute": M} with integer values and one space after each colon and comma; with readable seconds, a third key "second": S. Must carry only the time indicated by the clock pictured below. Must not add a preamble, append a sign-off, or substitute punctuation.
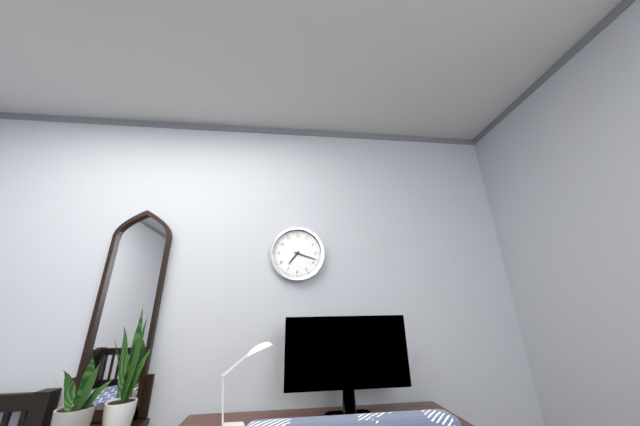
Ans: {"hour": 7, "minute": 18}
